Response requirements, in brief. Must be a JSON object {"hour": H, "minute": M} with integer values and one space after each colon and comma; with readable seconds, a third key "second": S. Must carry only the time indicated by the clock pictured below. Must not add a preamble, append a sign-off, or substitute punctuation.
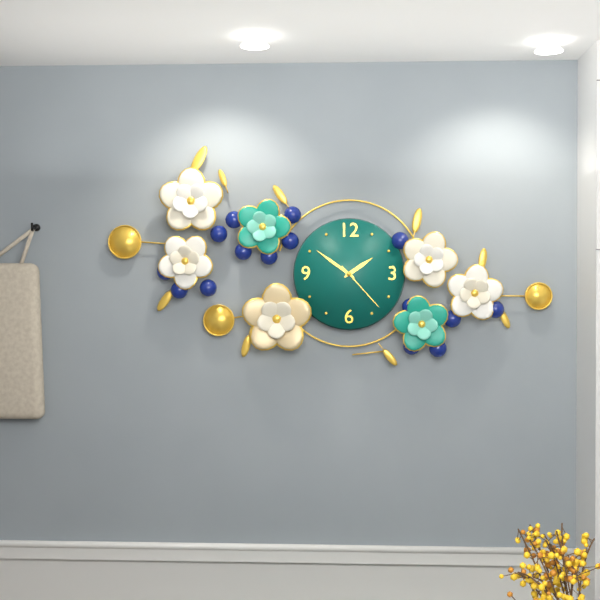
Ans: {"hour": 1, "minute": 51, "second": 23}
